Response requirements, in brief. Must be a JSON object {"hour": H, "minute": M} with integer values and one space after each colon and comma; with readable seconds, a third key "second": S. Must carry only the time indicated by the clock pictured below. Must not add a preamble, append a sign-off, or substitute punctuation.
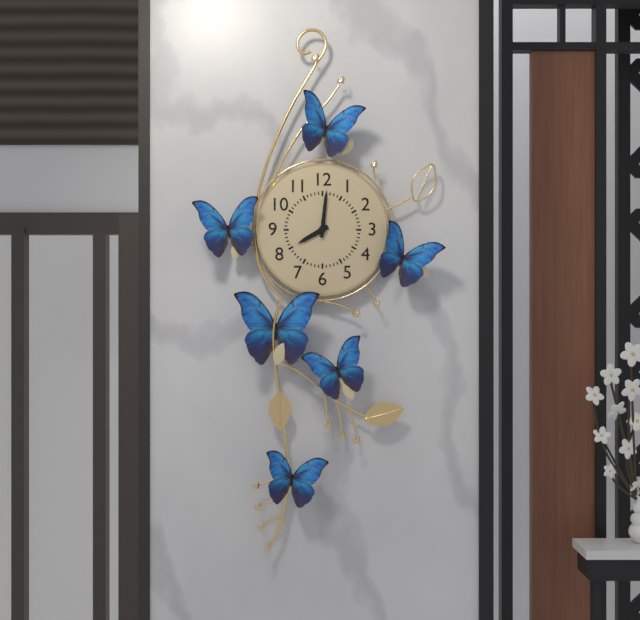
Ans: {"hour": 8, "minute": 1}
